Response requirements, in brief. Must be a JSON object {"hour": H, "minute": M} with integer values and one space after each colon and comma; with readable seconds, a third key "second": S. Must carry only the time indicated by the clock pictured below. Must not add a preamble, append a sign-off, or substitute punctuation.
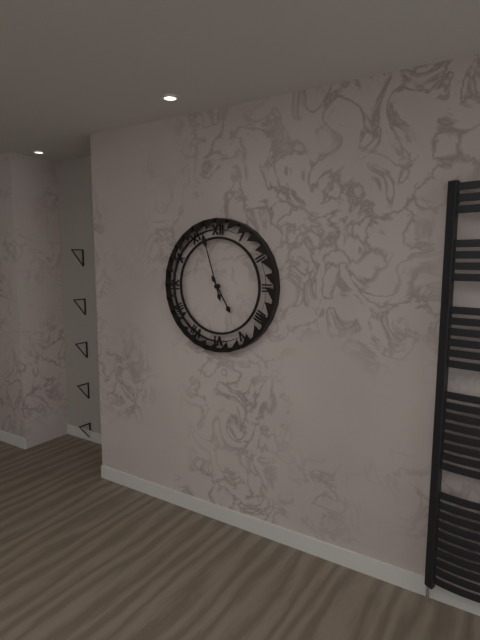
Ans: {"hour": 4, "minute": 57}
